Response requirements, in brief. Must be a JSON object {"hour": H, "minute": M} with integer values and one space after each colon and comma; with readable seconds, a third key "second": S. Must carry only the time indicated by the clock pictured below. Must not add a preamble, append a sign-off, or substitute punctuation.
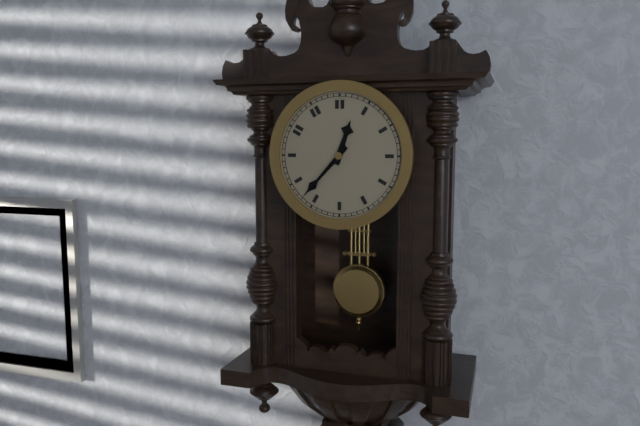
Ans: {"hour": 12, "minute": 37}
